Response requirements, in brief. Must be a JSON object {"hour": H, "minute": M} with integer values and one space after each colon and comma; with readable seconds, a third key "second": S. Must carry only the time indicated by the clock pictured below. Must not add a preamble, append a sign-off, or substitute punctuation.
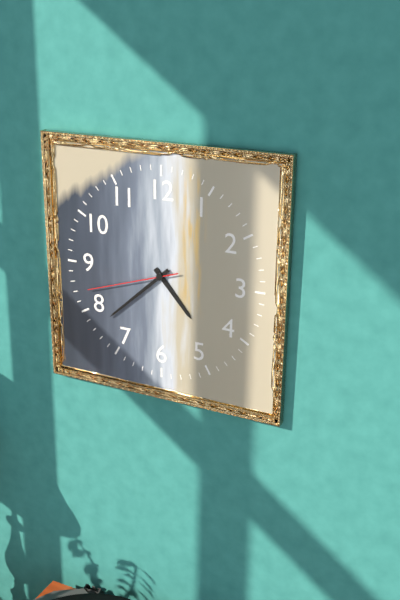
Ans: {"hour": 4, "minute": 38, "second": 42}
